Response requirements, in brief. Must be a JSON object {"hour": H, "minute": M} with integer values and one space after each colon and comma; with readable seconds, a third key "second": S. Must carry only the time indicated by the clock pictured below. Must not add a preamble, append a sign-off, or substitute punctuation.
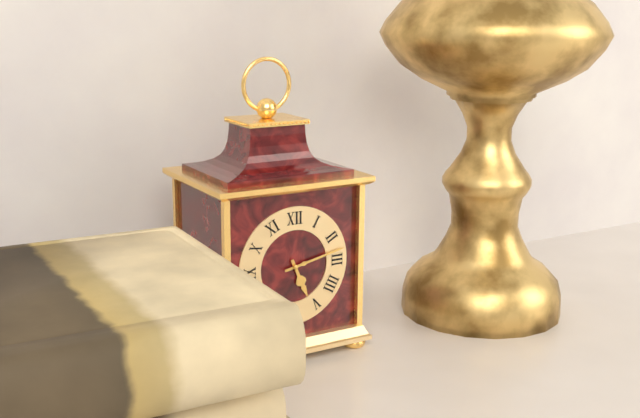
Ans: {"hour": 5, "minute": 13}
